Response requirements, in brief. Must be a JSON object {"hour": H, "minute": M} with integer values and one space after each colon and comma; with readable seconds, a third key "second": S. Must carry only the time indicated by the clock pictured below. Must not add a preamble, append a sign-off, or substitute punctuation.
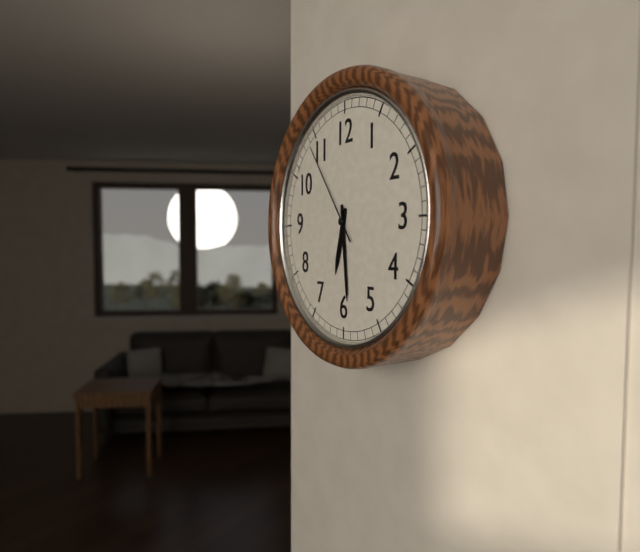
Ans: {"hour": 6, "minute": 29, "second": 54}
